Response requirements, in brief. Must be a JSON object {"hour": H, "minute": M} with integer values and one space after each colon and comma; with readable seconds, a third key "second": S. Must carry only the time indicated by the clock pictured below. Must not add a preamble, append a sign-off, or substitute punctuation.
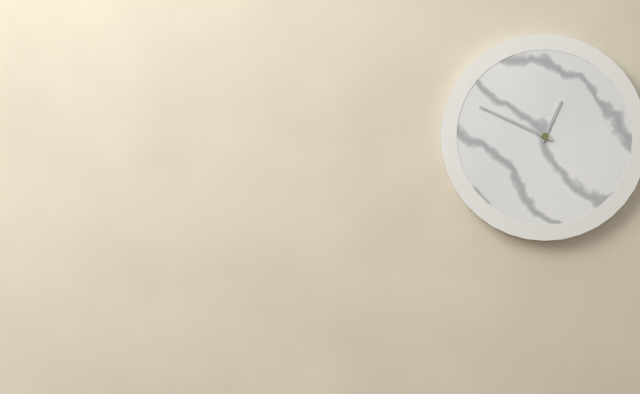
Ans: {"hour": 12, "minute": 49}
